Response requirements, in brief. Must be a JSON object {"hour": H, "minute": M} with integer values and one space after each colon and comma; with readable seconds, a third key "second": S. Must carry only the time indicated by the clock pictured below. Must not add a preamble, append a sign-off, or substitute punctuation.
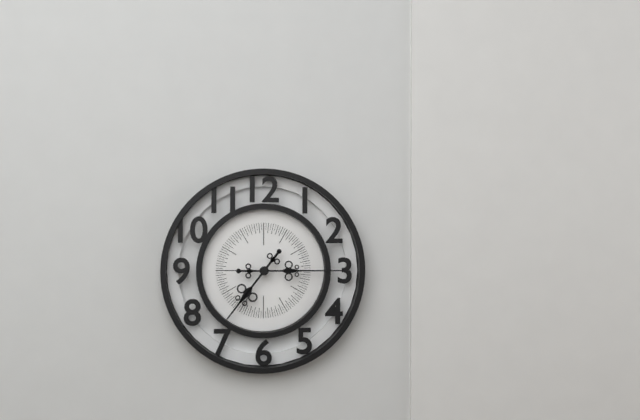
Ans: {"hour": 7, "minute": 15}
